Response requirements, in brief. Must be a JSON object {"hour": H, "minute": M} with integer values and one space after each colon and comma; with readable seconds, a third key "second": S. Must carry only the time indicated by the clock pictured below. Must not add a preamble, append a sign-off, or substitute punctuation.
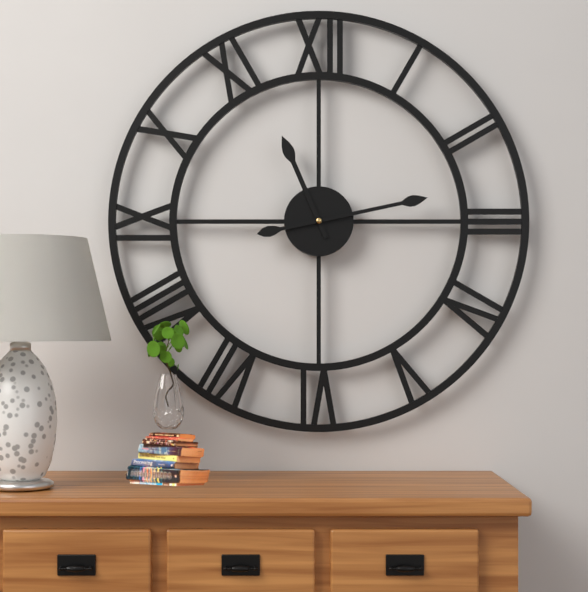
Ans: {"hour": 11, "minute": 13}
